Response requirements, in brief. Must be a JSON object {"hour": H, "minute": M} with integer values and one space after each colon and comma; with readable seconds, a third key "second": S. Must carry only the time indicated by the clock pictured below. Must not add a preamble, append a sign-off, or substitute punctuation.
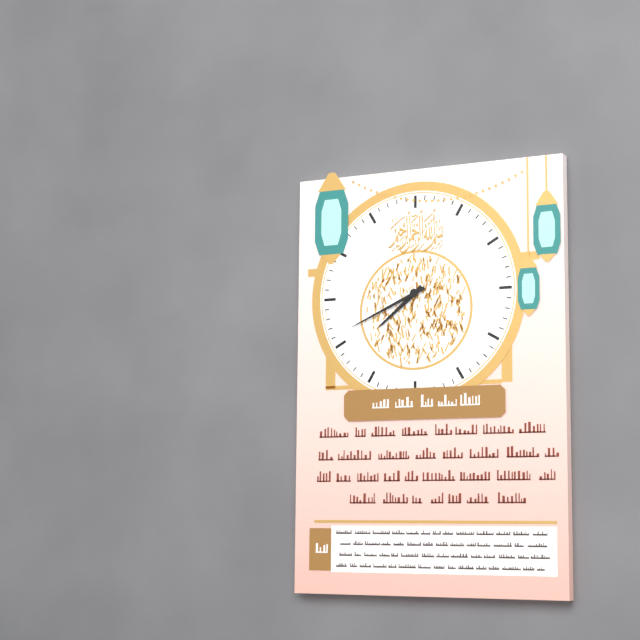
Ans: {"hour": 7, "minute": 41}
